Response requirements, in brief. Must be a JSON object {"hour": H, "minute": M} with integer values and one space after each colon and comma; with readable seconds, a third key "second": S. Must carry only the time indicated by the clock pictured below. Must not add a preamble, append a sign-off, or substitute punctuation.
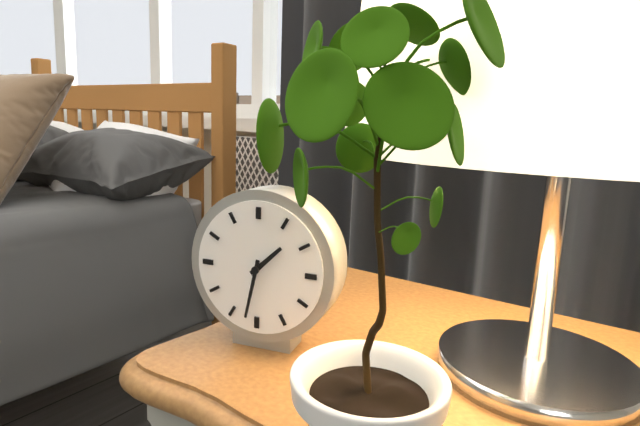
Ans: {"hour": 1, "minute": 32}
